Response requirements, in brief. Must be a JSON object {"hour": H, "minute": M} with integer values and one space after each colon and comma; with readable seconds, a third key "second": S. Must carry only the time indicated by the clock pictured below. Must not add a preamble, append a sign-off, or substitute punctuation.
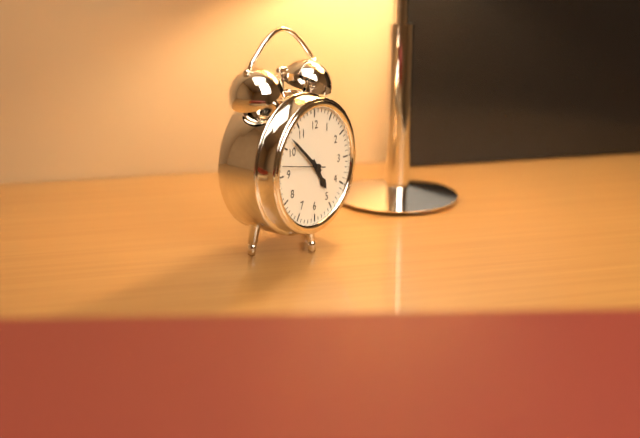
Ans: {"hour": 4, "minute": 52}
